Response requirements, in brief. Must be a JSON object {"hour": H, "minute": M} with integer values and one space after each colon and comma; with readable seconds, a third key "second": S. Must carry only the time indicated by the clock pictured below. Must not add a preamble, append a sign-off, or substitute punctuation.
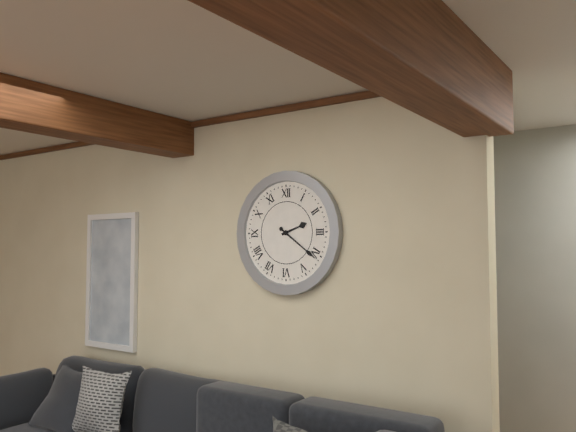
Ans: {"hour": 2, "minute": 21}
